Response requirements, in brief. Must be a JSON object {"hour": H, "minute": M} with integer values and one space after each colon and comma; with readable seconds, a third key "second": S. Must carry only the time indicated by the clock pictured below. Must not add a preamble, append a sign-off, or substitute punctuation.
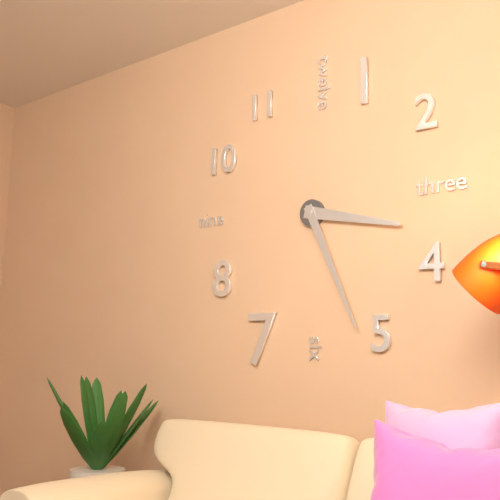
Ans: {"hour": 3, "minute": 26}
